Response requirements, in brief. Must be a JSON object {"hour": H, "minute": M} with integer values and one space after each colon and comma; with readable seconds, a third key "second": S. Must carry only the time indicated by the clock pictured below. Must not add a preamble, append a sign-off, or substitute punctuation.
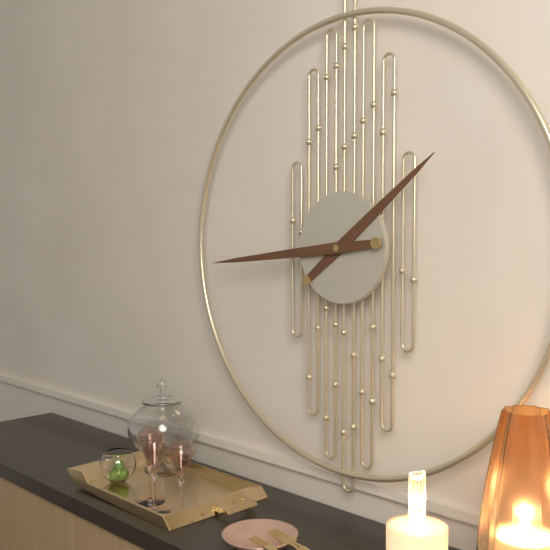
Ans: {"hour": 1, "minute": 44}
